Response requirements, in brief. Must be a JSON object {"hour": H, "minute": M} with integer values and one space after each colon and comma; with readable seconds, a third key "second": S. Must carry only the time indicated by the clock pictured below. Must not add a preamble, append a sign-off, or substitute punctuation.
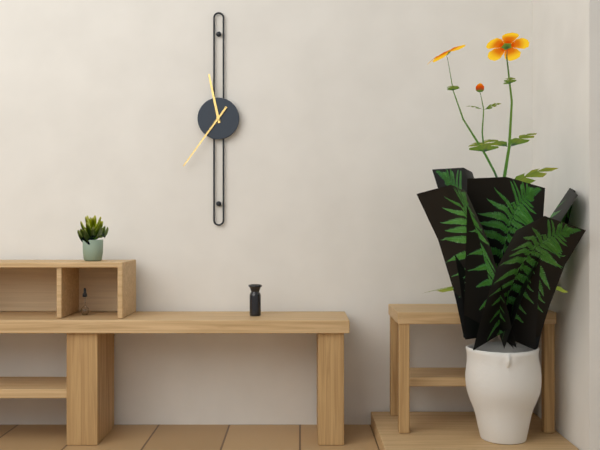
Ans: {"hour": 11, "minute": 36}
